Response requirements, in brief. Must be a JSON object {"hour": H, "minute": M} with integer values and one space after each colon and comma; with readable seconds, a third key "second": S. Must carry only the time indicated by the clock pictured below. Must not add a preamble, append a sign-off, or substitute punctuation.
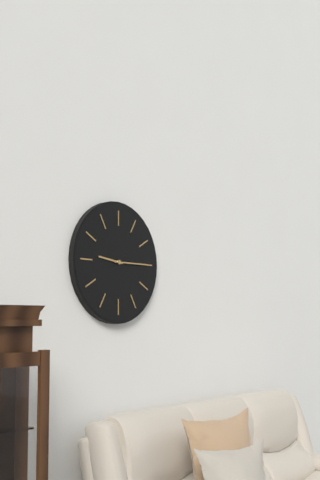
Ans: {"hour": 9, "minute": 15}
